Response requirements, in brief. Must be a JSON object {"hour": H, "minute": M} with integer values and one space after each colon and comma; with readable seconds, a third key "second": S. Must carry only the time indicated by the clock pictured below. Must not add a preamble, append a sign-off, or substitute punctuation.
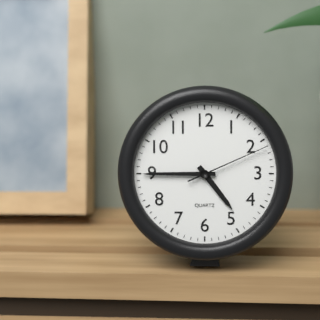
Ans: {"hour": 4, "minute": 45, "second": 11}
